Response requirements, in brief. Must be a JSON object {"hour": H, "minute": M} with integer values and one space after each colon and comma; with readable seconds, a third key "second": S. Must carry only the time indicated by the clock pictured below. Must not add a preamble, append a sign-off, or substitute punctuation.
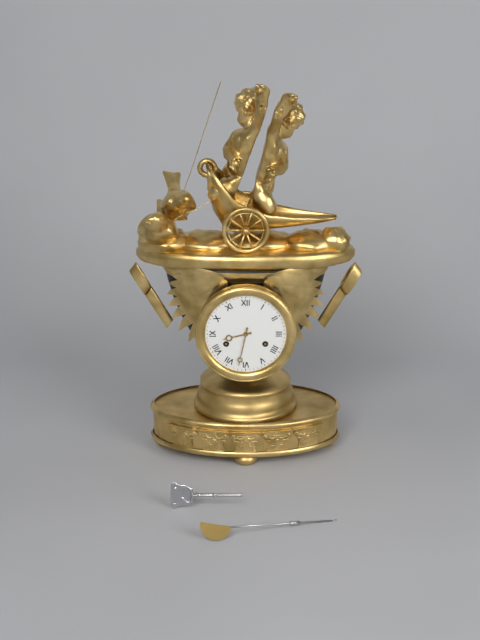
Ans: {"hour": 8, "minute": 32}
